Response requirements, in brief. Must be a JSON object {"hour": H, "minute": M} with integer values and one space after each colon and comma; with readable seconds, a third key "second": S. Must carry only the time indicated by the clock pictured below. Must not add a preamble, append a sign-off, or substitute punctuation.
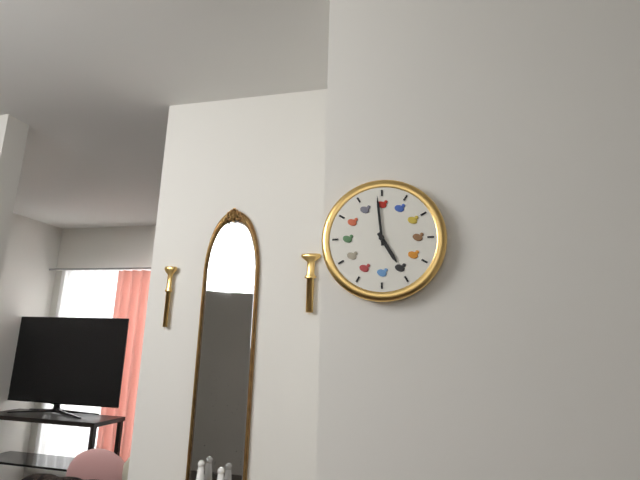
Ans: {"hour": 4, "minute": 59}
